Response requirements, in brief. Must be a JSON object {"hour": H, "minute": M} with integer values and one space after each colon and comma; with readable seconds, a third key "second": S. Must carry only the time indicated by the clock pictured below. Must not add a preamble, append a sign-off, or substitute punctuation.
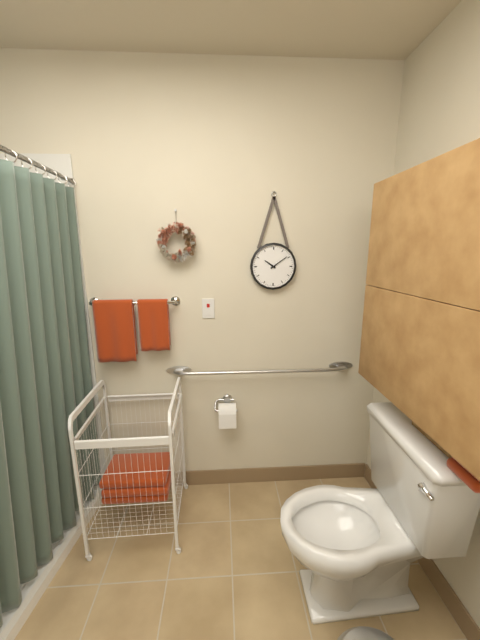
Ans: {"hour": 10, "minute": 9}
